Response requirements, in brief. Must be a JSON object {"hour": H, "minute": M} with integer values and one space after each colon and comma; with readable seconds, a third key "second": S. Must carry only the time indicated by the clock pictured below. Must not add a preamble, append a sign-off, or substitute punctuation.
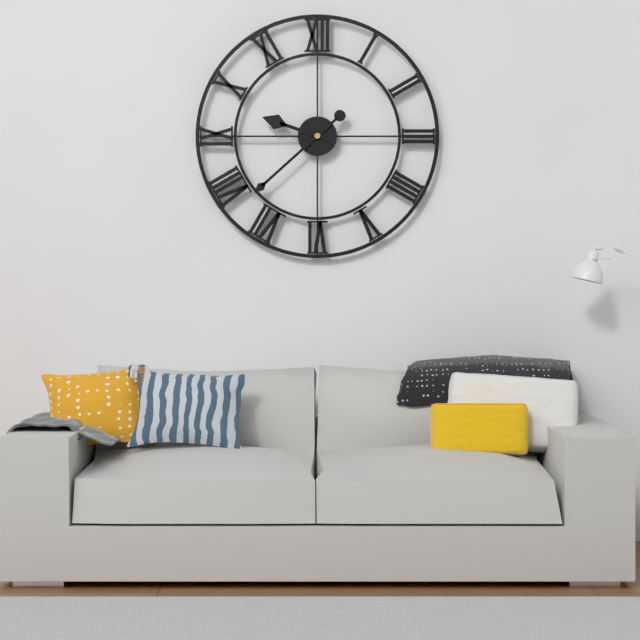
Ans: {"hour": 9, "minute": 38}
